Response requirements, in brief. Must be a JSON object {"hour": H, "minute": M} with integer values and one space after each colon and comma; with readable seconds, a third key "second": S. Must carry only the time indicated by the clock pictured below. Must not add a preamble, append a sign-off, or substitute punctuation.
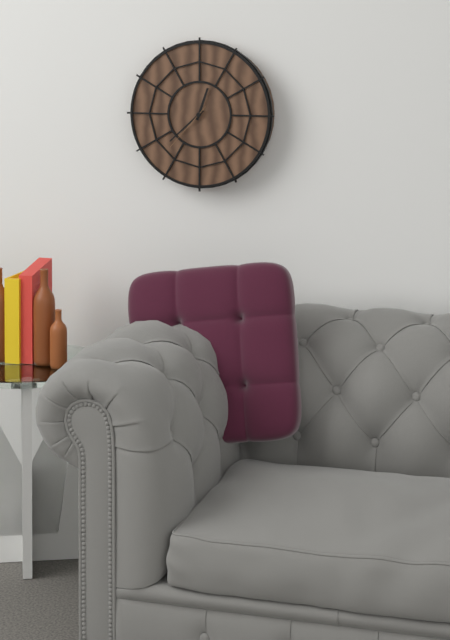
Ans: {"hour": 12, "minute": 38, "second": 37}
